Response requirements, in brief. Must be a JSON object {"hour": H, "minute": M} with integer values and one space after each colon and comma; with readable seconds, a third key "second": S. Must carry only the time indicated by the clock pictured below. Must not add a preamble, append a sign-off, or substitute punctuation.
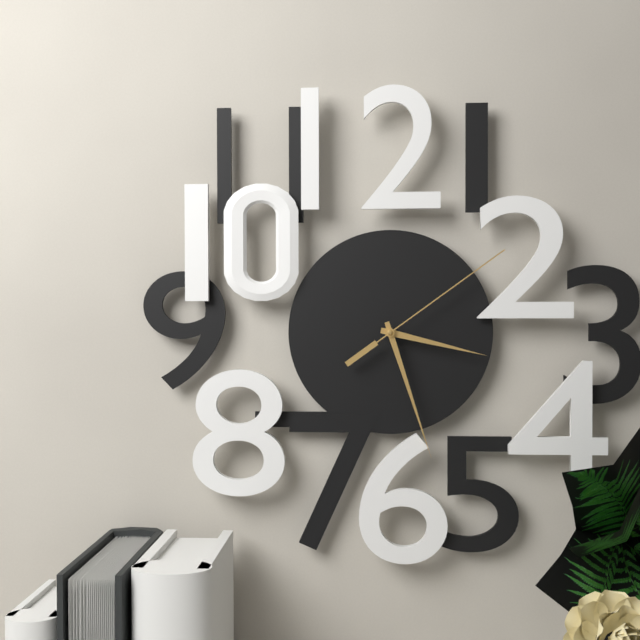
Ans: {"hour": 3, "minute": 27, "second": 9}
